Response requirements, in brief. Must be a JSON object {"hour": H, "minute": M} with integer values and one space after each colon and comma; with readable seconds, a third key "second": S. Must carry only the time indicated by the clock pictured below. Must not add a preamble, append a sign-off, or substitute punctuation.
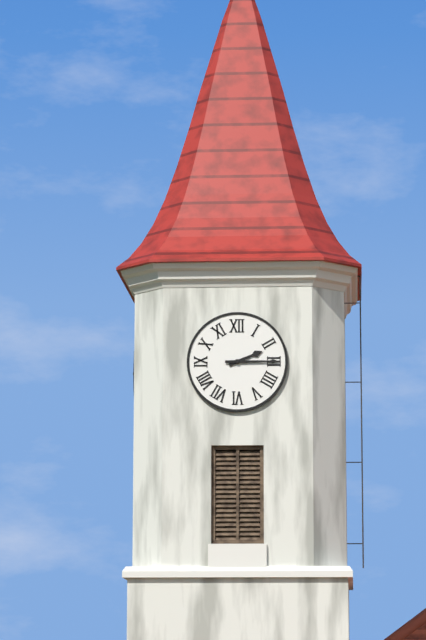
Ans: {"hour": 2, "minute": 15}
